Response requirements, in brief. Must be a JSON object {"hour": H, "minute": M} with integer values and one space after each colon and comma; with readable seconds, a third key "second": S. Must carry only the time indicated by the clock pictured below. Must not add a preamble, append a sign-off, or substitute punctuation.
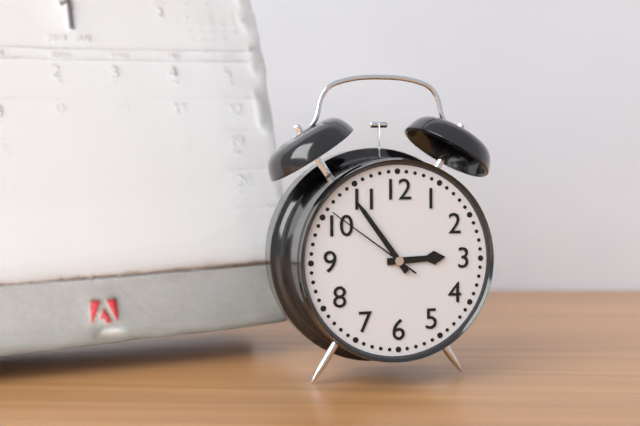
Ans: {"hour": 2, "minute": 54, "second": 51}
